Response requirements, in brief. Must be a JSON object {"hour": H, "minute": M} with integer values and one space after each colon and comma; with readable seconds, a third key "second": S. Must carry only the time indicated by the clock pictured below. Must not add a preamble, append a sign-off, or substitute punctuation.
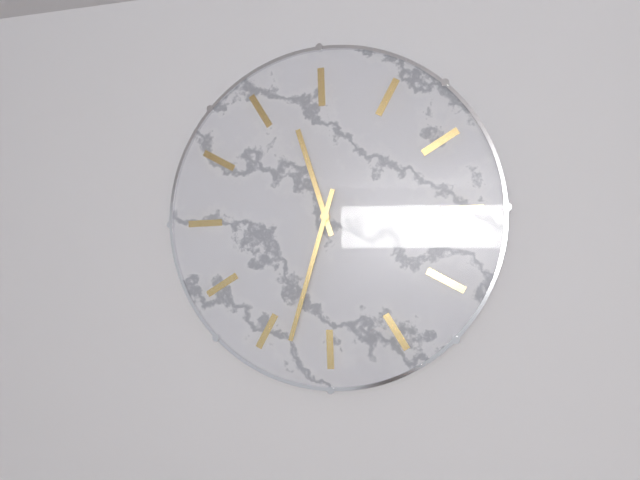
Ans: {"hour": 10, "minute": 28}
